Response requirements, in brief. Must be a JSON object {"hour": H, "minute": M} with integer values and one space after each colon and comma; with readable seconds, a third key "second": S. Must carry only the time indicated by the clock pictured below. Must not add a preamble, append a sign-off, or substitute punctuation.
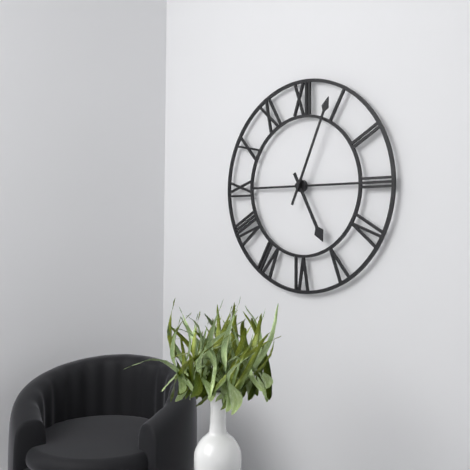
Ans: {"hour": 5, "minute": 4}
